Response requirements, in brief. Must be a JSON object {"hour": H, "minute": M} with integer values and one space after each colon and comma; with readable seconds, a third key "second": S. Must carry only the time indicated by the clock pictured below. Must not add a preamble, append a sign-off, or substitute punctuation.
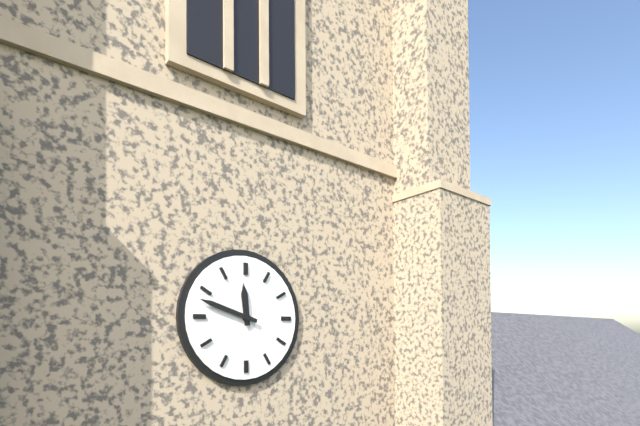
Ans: {"hour": 11, "minute": 48}
